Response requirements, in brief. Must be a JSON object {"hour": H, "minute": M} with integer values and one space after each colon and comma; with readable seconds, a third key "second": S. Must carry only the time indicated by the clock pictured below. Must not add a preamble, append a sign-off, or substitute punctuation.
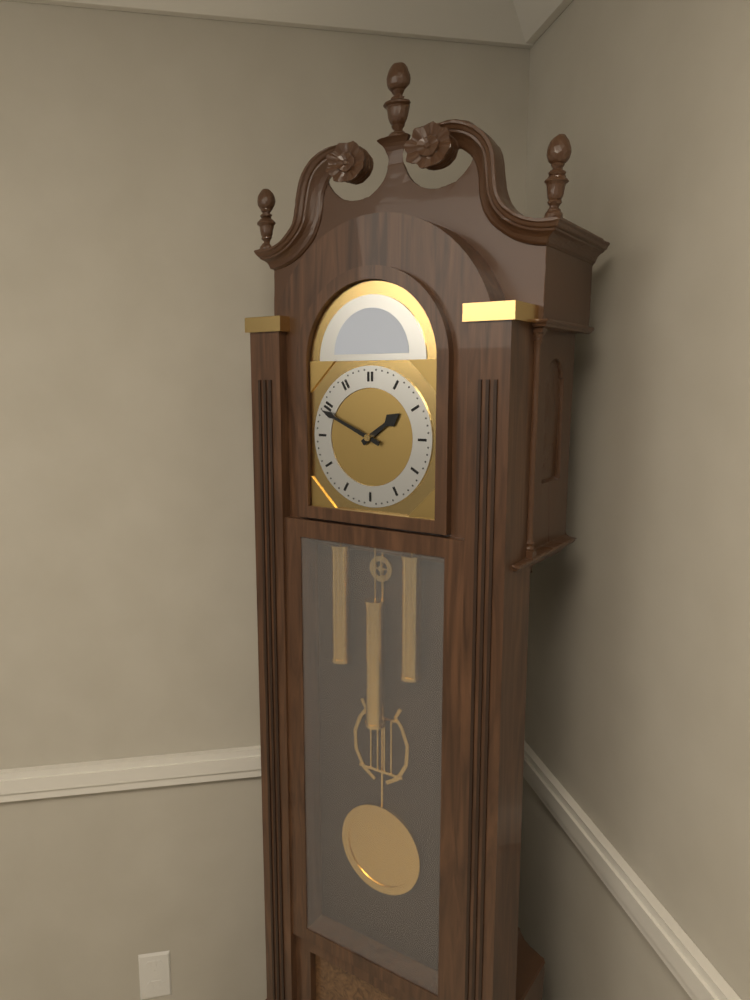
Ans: {"hour": 1, "minute": 49}
